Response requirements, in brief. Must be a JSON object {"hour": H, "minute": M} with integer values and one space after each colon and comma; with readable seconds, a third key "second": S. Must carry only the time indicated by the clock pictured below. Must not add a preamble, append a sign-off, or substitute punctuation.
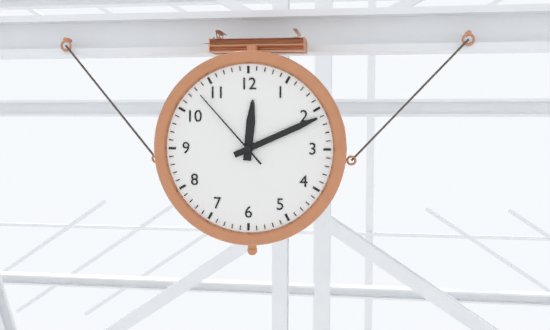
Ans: {"hour": 12, "minute": 11, "second": 53}
